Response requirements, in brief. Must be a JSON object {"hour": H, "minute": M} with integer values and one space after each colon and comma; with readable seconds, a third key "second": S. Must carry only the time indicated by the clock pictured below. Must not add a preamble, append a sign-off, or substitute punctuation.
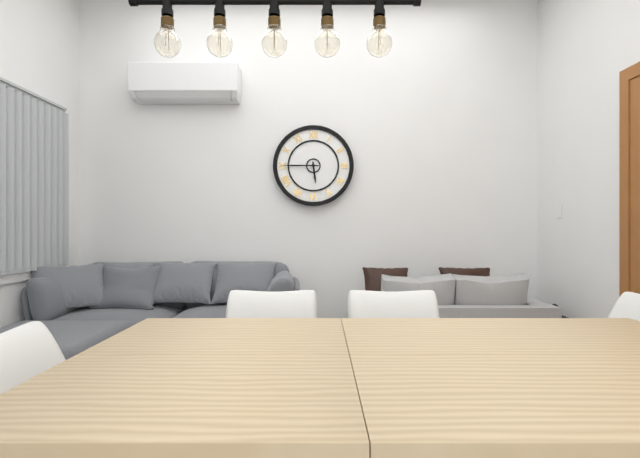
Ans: {"hour": 5, "minute": 45}
